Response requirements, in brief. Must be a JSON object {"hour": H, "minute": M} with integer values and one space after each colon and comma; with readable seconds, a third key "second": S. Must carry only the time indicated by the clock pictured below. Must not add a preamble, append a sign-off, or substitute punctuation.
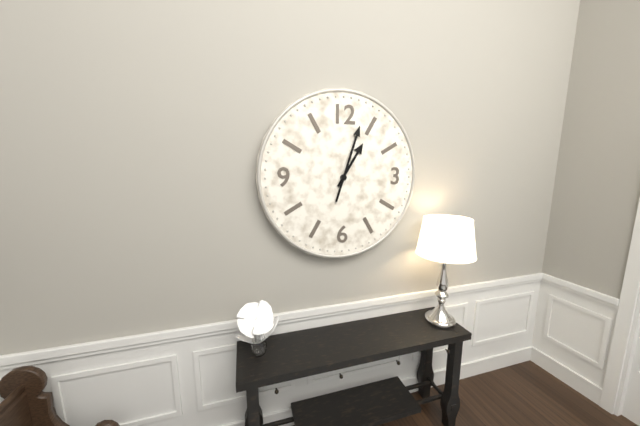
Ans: {"hour": 1, "minute": 3}
